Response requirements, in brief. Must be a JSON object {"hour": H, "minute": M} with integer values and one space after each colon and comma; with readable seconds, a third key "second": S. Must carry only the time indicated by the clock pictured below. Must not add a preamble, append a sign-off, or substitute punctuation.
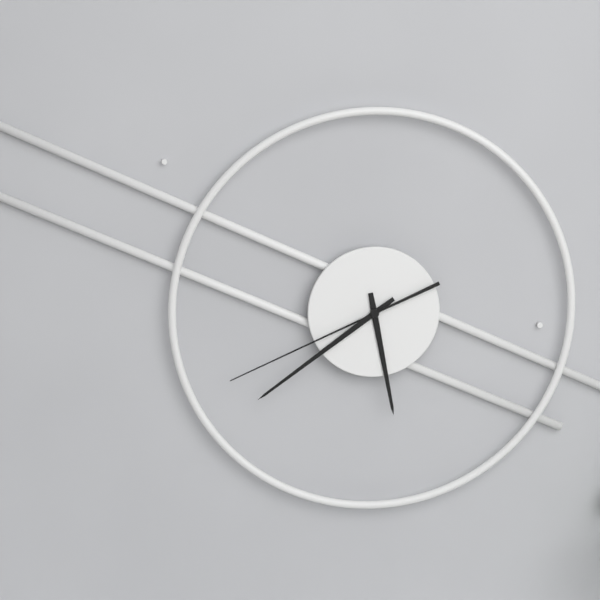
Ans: {"hour": 5, "minute": 39, "second": 41}
